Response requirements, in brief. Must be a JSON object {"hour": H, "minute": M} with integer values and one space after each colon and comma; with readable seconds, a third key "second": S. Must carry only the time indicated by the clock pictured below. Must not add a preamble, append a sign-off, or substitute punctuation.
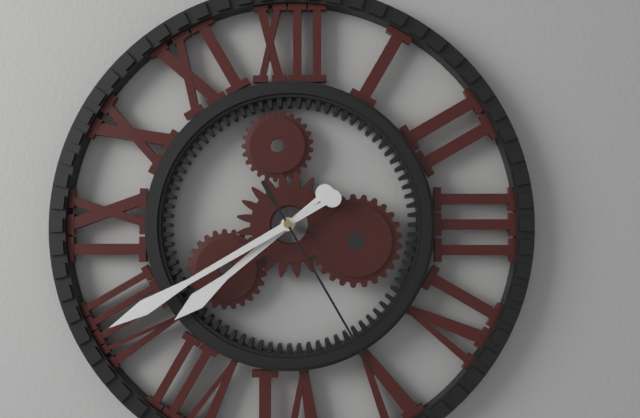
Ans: {"hour": 7, "minute": 40, "second": 25}
